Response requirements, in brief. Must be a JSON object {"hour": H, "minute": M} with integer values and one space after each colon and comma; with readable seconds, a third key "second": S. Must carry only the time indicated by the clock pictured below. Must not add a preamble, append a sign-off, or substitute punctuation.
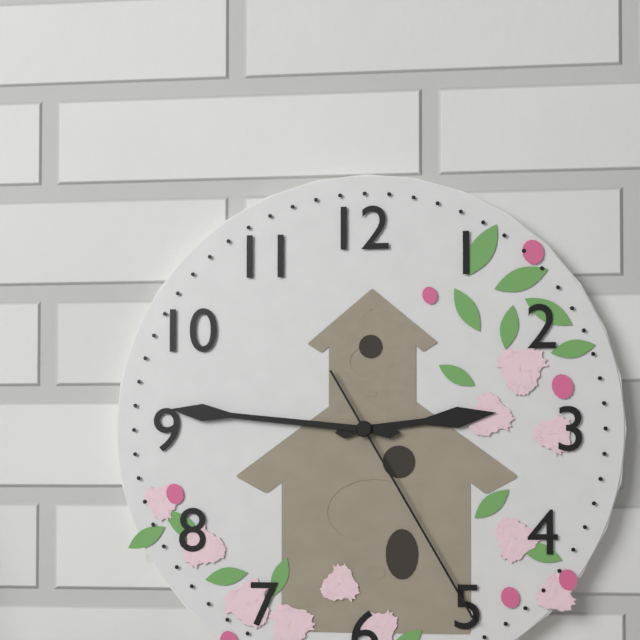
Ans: {"hour": 2, "minute": 46, "second": 25}
